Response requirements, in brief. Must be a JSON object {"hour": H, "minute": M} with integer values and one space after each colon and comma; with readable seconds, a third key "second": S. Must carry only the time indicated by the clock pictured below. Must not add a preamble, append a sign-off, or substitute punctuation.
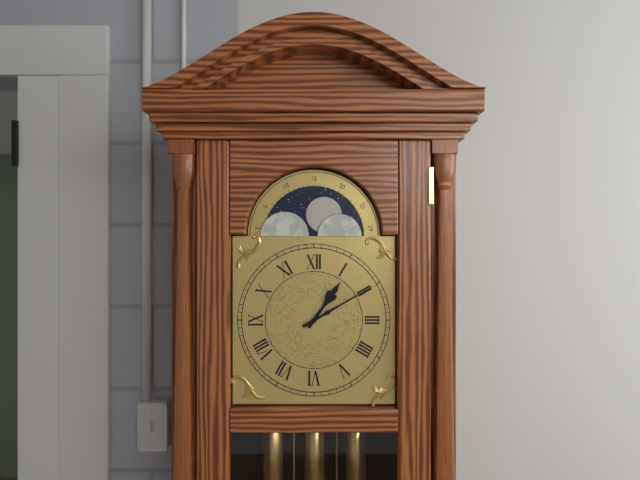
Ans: {"hour": 1, "minute": 10}
